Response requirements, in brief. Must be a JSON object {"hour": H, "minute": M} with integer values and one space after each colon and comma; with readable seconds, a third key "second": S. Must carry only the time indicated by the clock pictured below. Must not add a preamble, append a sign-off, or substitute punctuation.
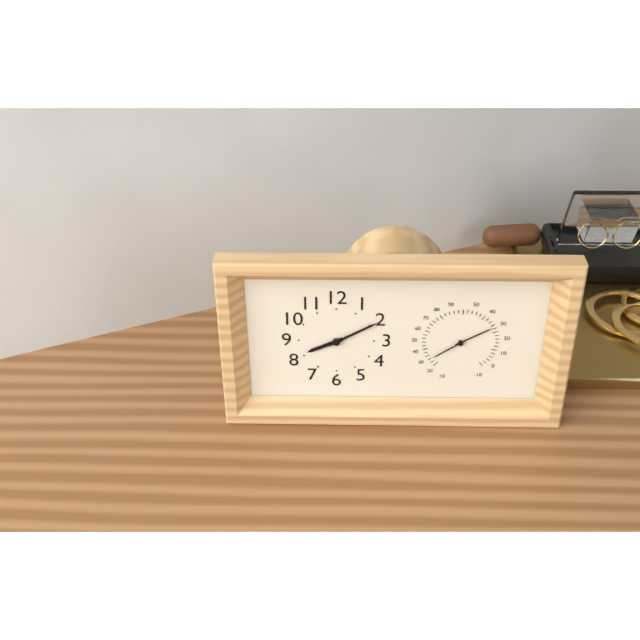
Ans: {"hour": 8, "minute": 10}
